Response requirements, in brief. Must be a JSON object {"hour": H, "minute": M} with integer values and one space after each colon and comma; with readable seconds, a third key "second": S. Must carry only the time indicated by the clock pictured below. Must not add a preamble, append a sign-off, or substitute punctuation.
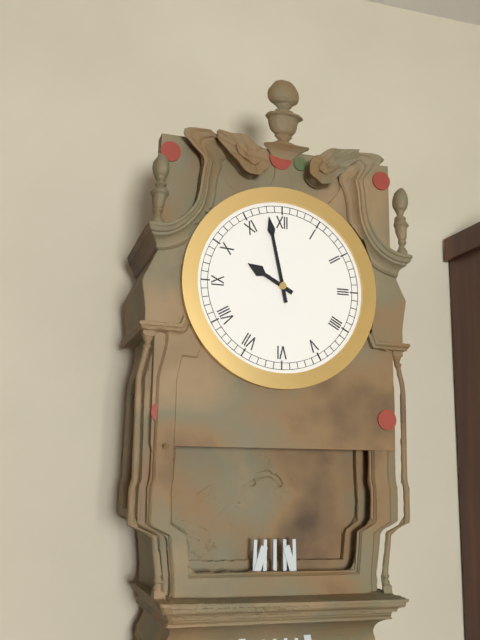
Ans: {"hour": 9, "minute": 58}
